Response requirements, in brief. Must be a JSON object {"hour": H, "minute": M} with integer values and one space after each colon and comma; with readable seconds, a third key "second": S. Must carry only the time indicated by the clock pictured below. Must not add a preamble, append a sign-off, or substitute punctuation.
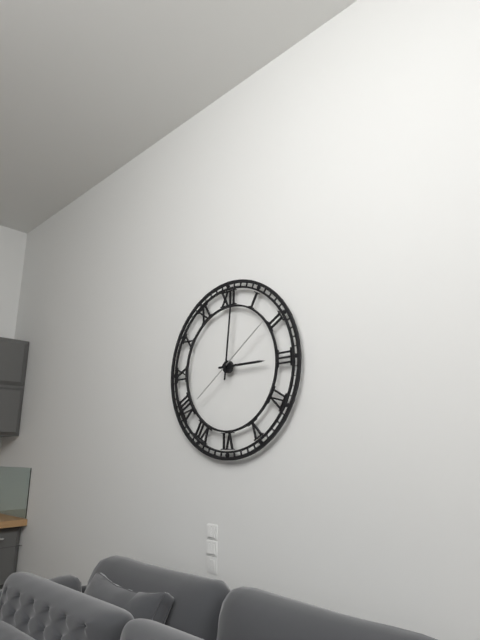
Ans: {"hour": 3, "minute": 1, "second": 9}
